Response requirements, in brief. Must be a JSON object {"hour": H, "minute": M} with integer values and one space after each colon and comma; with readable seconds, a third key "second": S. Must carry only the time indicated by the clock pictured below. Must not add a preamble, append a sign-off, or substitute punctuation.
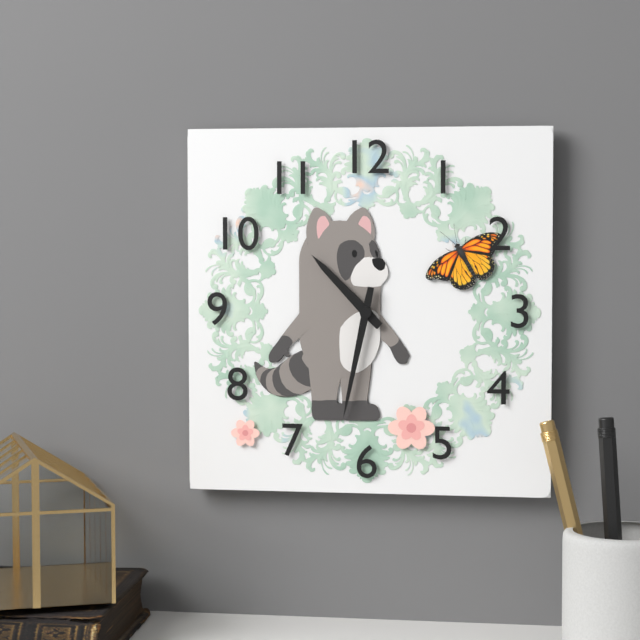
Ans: {"hour": 10, "minute": 32}
